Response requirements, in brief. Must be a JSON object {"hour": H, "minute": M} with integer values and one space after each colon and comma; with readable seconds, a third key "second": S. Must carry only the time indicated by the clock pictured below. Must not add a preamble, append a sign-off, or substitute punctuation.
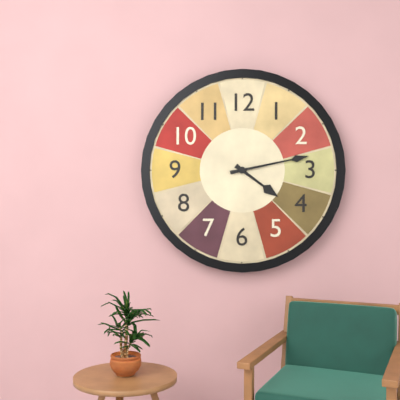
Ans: {"hour": 4, "minute": 13}
